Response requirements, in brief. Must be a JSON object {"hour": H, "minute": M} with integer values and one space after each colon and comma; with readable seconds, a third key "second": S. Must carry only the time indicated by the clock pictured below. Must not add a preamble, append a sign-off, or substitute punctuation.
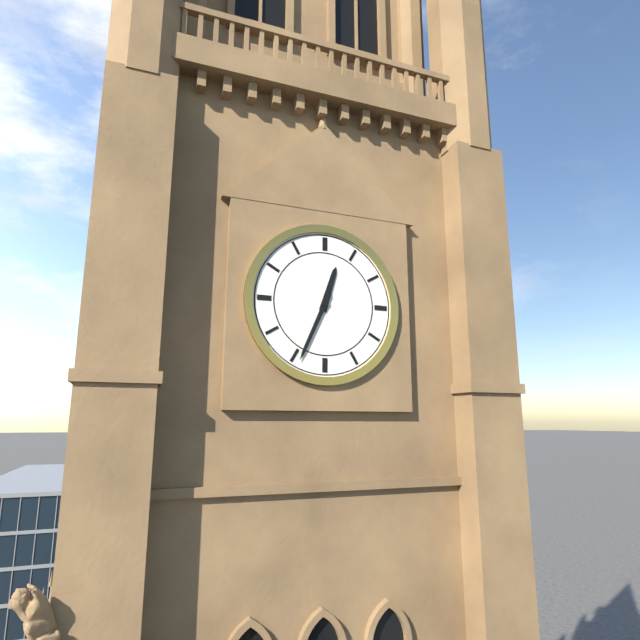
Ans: {"hour": 12, "minute": 34}
